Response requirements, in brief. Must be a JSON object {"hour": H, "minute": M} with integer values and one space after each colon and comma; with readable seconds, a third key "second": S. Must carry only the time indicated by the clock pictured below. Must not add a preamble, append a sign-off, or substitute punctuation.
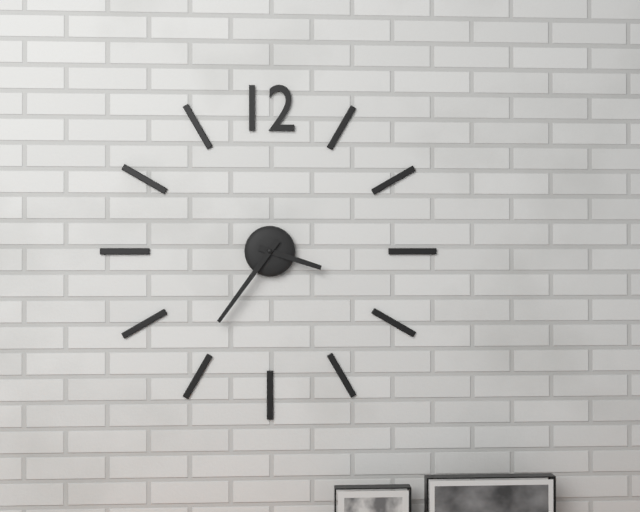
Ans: {"hour": 3, "minute": 36}
